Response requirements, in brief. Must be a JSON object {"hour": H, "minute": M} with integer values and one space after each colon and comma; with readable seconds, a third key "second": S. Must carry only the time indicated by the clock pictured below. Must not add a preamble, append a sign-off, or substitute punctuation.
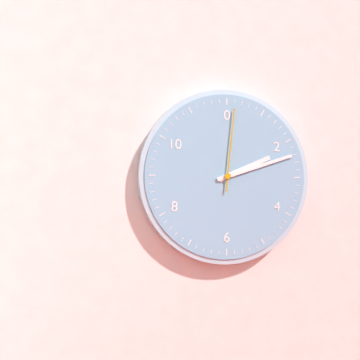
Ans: {"hour": 2, "minute": 12, "second": 1}
